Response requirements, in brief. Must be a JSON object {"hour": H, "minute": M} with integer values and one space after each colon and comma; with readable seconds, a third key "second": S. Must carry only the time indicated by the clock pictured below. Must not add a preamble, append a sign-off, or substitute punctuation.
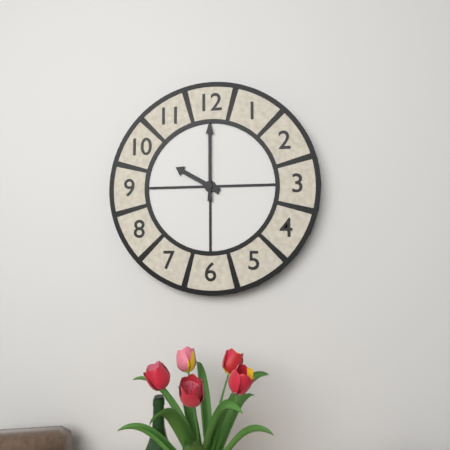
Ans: {"hour": 10, "minute": 0}
